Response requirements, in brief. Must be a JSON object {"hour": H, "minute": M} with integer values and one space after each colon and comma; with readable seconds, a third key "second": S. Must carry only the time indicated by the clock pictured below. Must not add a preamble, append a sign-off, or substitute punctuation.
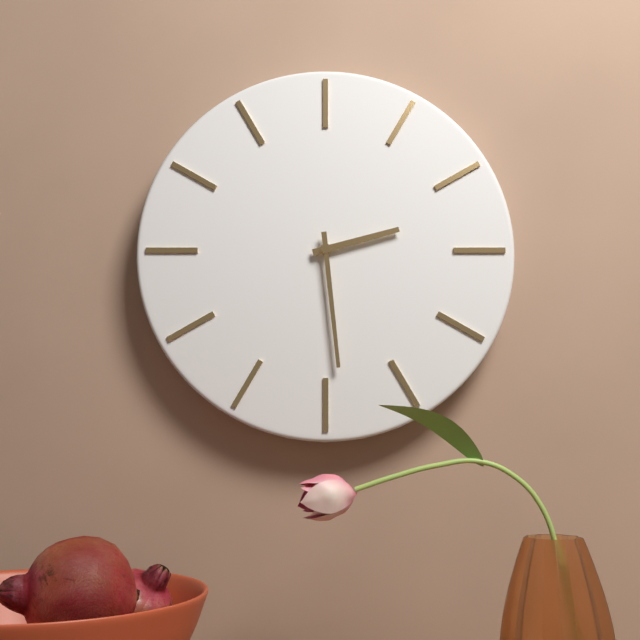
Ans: {"hour": 2, "minute": 29}
